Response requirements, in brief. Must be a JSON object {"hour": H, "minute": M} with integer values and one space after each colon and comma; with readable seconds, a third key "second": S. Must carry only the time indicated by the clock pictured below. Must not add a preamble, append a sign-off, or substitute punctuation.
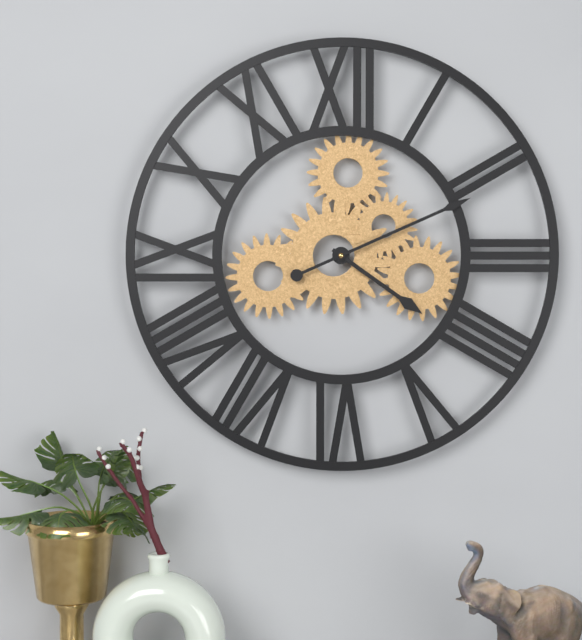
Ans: {"hour": 4, "minute": 11}
